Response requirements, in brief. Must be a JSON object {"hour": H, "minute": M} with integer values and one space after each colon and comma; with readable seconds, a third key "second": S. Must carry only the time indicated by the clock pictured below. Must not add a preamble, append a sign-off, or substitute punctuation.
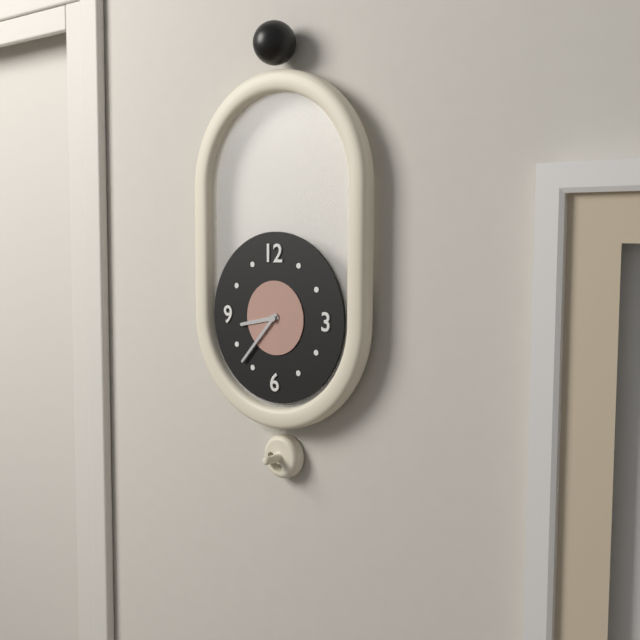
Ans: {"hour": 8, "minute": 37}
